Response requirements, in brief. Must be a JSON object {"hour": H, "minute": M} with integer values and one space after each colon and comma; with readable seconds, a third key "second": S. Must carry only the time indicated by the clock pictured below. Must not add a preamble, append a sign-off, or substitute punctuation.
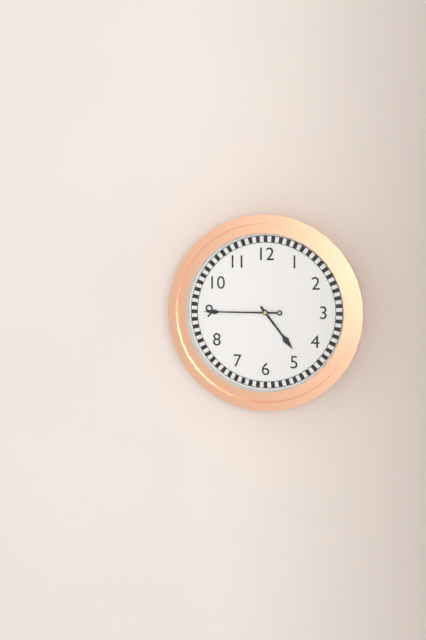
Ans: {"hour": 4, "minute": 45}
